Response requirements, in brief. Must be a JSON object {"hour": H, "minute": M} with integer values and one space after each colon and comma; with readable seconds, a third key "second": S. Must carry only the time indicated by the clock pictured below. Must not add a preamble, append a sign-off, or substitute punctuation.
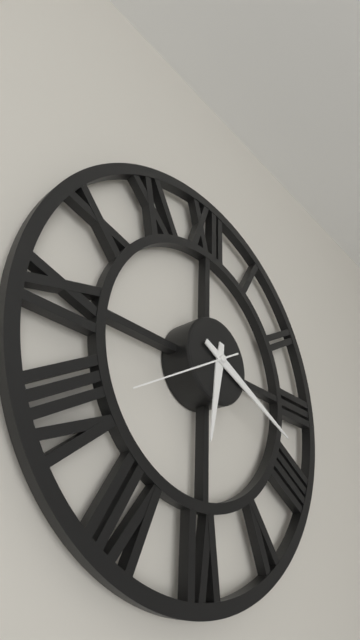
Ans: {"hour": 6, "minute": 19, "second": 40}
